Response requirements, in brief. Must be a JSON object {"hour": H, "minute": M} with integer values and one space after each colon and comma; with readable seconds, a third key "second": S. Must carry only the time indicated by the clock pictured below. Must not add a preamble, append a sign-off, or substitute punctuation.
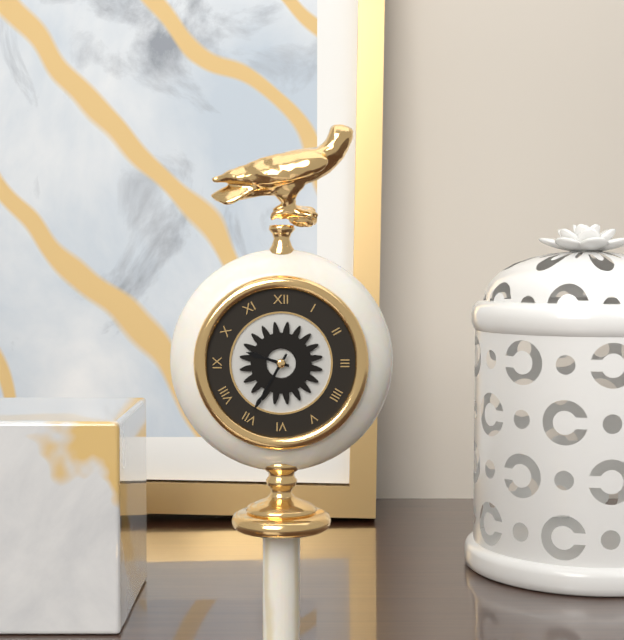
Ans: {"hour": 9, "minute": 35}
